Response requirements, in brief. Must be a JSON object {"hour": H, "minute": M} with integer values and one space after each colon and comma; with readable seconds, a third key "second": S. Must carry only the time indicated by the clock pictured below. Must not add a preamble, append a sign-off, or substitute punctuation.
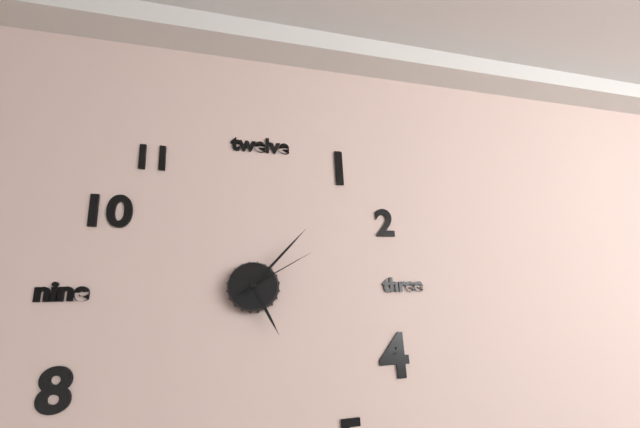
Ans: {"hour": 5, "minute": 7, "second": 10}
